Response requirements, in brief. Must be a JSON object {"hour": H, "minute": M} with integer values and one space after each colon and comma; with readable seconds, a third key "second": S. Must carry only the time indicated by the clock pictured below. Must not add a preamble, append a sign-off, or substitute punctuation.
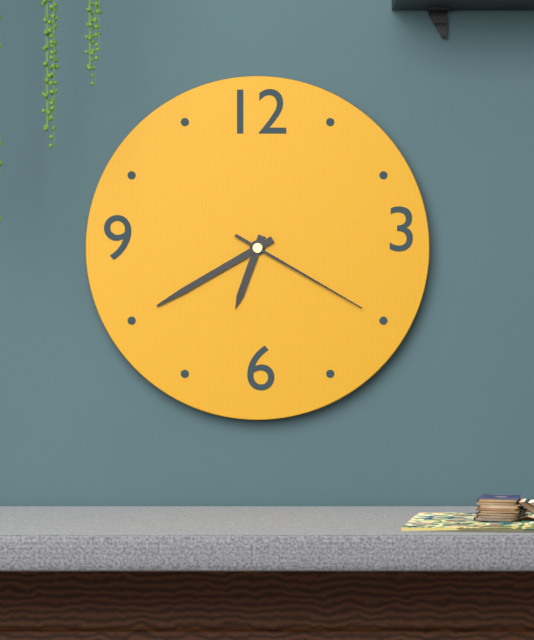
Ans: {"hour": 6, "minute": 40, "second": 20}
